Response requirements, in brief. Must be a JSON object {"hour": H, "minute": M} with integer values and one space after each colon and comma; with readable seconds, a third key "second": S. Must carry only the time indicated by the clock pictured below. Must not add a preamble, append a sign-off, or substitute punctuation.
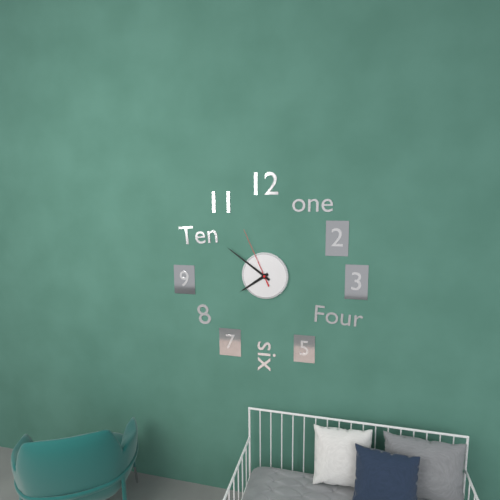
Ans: {"hour": 7, "minute": 51, "second": 56}
